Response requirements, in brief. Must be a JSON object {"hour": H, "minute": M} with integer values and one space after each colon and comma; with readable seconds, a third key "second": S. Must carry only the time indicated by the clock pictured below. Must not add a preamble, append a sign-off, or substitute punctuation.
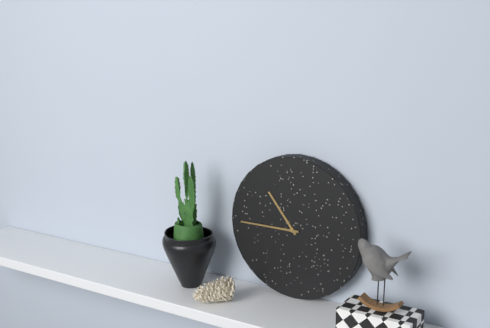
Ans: {"hour": 10, "minute": 45}
